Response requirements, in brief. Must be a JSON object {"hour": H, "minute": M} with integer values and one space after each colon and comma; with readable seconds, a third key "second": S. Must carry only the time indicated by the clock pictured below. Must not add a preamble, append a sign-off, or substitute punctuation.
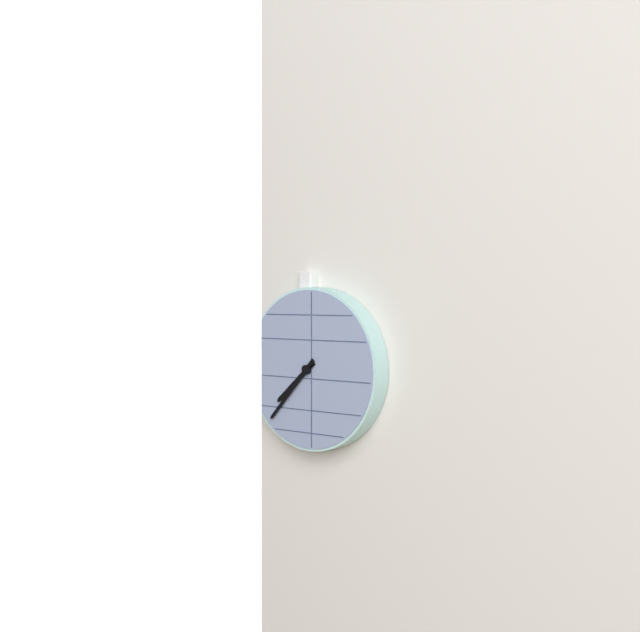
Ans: {"hour": 7, "minute": 37}
